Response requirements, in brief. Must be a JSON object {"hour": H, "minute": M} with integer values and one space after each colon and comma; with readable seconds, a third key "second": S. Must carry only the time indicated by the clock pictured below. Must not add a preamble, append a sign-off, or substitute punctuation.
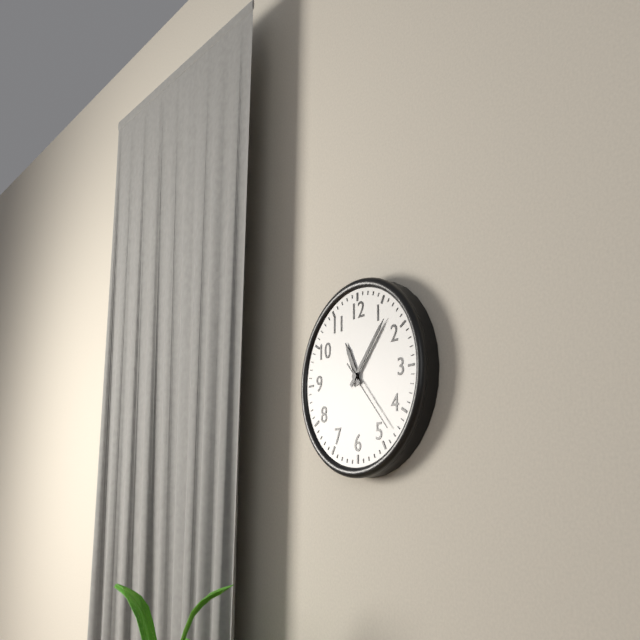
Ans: {"hour": 11, "minute": 7, "second": 23}
